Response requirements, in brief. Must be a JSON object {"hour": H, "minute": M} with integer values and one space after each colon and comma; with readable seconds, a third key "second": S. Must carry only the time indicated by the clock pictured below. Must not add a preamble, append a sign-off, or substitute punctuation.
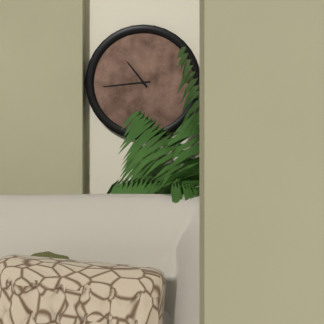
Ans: {"hour": 10, "minute": 44}
